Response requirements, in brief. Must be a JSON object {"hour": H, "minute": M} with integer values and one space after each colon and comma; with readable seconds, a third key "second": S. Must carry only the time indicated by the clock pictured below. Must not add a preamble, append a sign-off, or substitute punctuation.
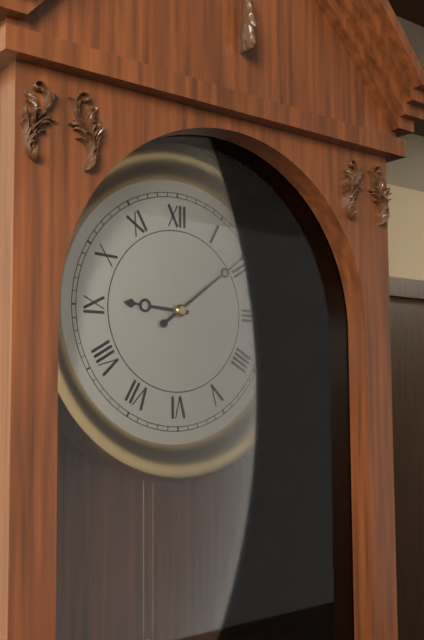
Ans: {"hour": 9, "minute": 9}
